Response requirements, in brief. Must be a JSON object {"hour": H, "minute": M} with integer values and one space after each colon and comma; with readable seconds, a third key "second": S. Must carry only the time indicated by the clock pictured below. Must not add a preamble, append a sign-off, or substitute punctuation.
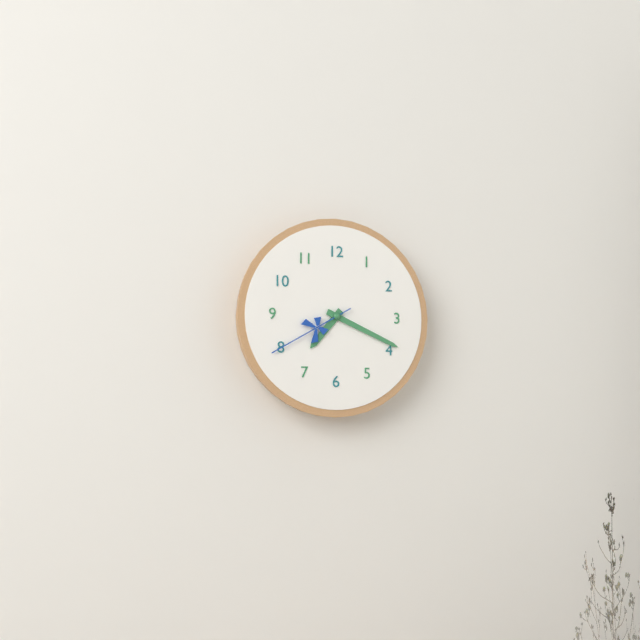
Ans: {"hour": 7, "minute": 19, "second": 40}
